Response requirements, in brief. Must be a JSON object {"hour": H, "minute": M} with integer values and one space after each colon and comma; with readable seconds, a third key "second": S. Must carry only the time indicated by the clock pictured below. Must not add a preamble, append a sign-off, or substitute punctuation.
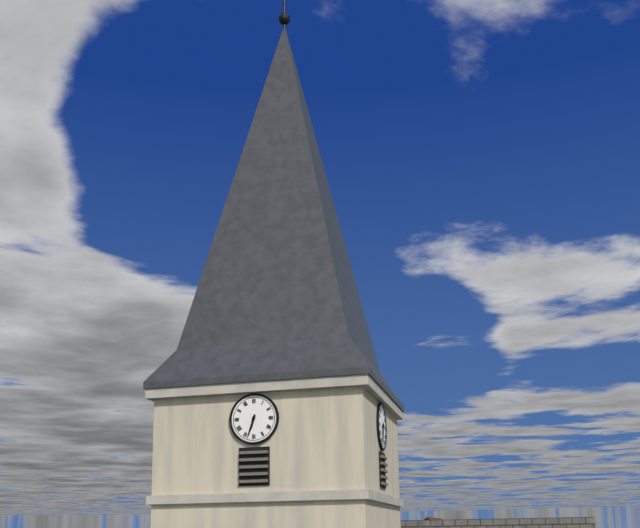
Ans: {"hour": 6, "minute": 33}
